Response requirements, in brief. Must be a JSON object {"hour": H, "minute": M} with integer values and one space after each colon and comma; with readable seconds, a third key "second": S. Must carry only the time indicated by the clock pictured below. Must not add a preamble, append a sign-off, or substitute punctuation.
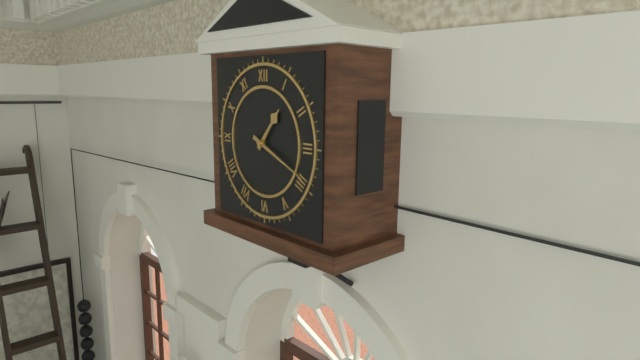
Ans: {"hour": 1, "minute": 19}
